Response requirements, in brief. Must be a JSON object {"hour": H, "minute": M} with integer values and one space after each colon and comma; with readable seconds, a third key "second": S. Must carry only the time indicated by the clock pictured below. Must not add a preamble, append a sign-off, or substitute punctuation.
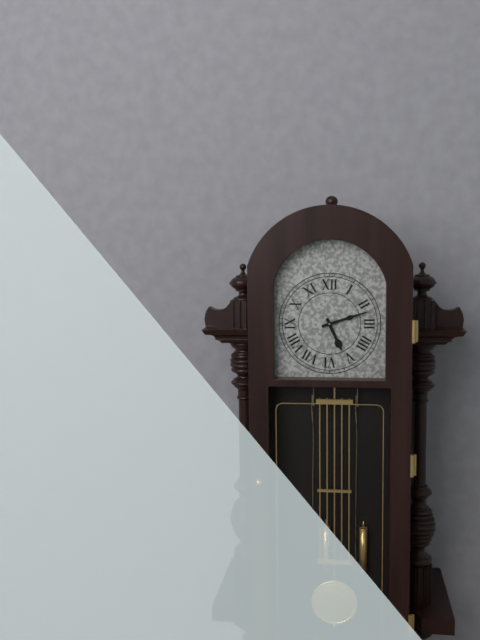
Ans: {"hour": 5, "minute": 12}
